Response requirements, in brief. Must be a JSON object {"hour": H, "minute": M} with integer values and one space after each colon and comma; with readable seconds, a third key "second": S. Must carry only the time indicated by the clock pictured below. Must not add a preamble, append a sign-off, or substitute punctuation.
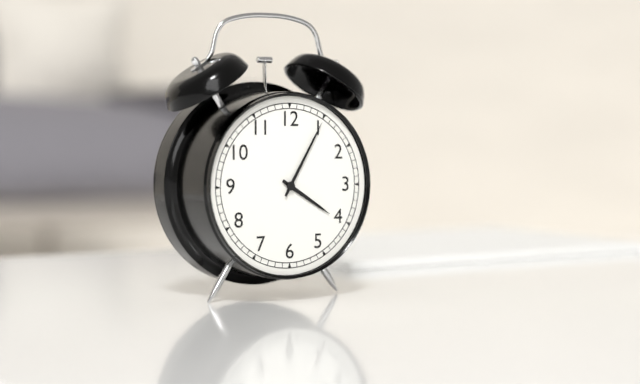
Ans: {"hour": 4, "minute": 5}
